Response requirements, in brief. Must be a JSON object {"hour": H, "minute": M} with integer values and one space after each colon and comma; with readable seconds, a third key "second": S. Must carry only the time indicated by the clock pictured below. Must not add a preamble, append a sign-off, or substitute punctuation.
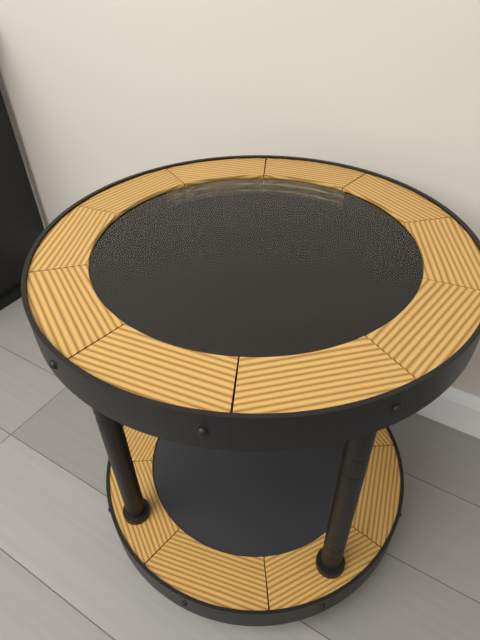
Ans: {"hour": 12, "minute": 53}
